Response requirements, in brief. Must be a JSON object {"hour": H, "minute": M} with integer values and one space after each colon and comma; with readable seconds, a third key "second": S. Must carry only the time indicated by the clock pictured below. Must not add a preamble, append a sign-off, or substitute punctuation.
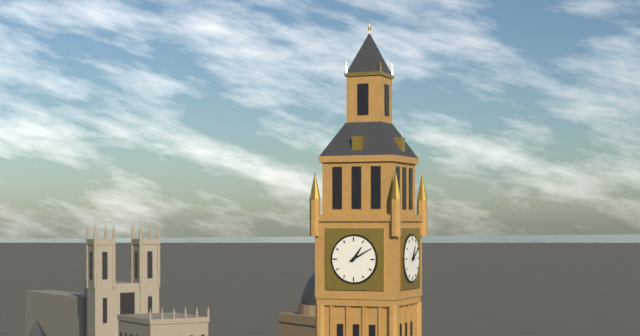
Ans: {"hour": 1, "minute": 10}
